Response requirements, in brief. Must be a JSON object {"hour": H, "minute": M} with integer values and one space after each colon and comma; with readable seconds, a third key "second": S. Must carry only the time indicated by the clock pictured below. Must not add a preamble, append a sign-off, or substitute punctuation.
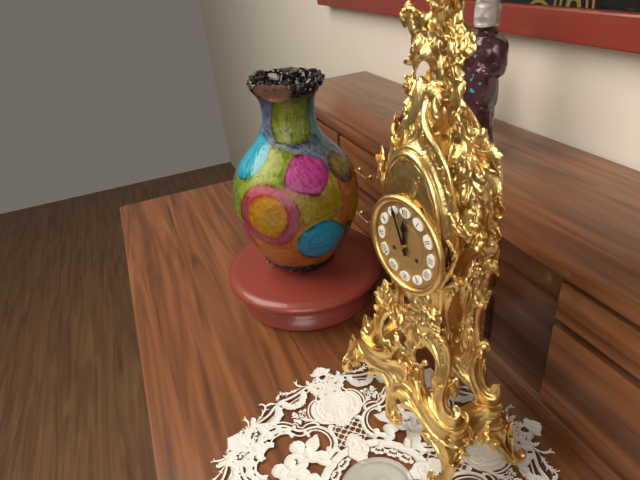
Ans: {"hour": 11, "minute": 56}
